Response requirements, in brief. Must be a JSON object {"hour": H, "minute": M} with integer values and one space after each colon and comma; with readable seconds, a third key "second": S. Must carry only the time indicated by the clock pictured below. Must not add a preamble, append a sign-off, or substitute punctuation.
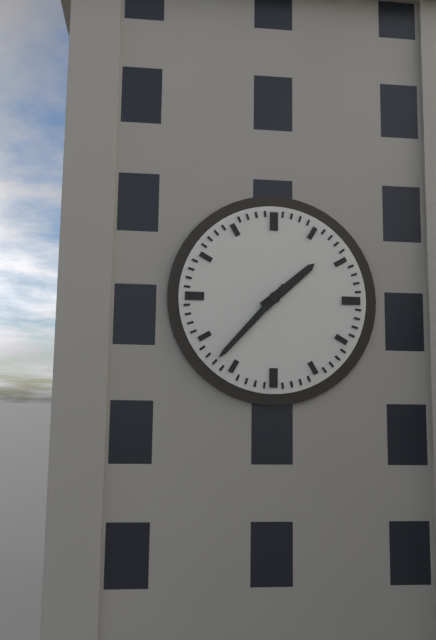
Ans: {"hour": 1, "minute": 37}
